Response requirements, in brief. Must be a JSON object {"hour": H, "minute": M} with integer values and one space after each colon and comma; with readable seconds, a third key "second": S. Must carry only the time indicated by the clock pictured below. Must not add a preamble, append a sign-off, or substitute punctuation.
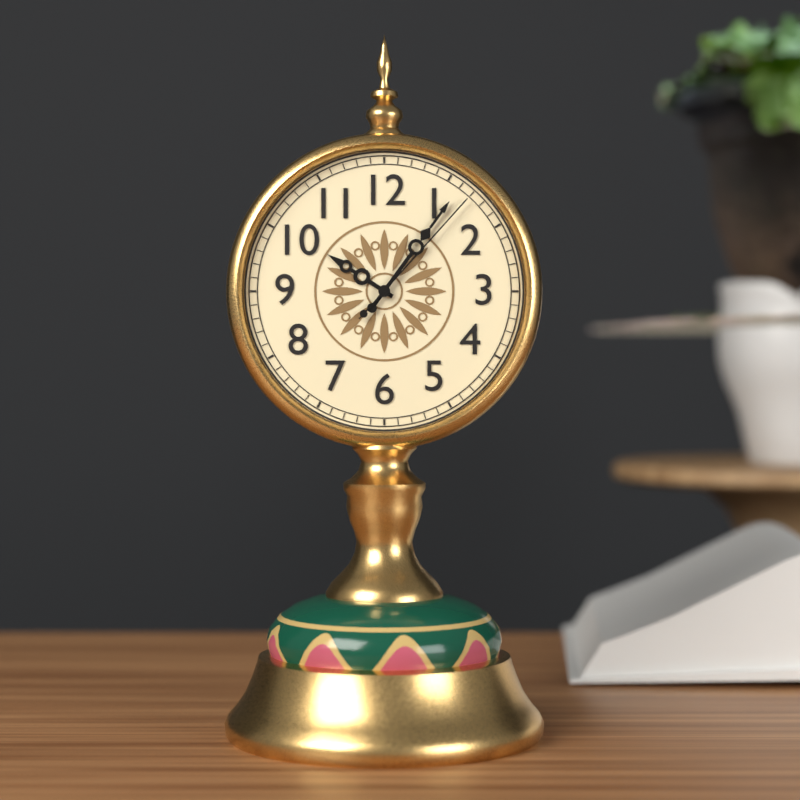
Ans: {"hour": 10, "minute": 6, "second": 7}
